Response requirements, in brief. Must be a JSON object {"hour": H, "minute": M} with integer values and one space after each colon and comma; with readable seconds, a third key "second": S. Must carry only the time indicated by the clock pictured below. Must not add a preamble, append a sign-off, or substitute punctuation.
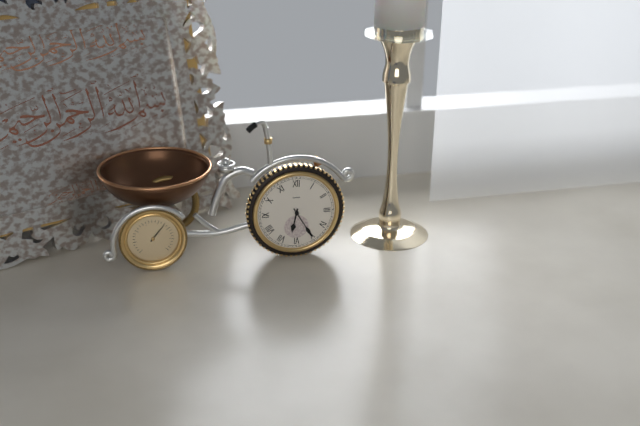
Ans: {"hour": 6, "minute": 25}
